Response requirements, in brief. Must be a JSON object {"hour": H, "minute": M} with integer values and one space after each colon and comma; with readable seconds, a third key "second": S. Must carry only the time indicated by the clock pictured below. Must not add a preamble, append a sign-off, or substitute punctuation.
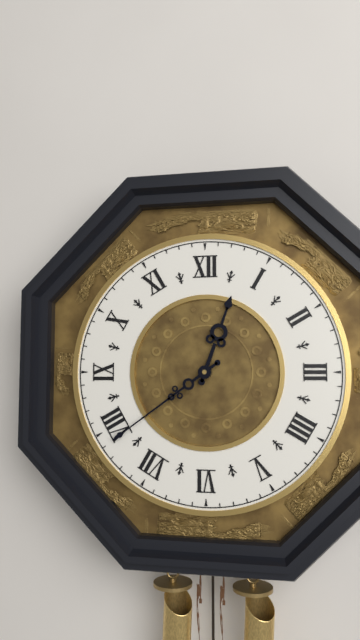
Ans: {"hour": 12, "minute": 39}
